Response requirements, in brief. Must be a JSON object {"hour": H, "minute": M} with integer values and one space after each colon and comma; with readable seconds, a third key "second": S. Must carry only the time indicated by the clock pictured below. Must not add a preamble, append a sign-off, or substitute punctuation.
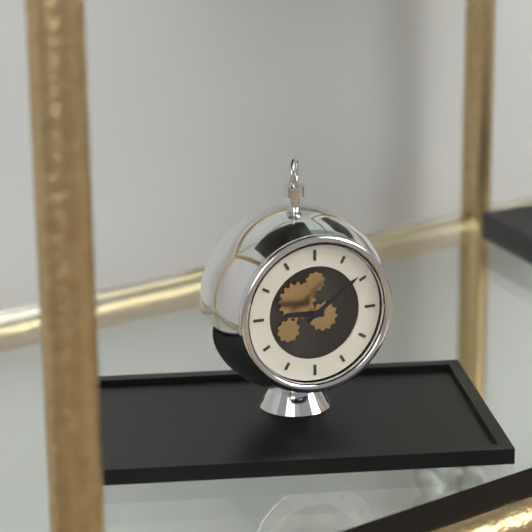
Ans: {"hour": 9, "minute": 9}
